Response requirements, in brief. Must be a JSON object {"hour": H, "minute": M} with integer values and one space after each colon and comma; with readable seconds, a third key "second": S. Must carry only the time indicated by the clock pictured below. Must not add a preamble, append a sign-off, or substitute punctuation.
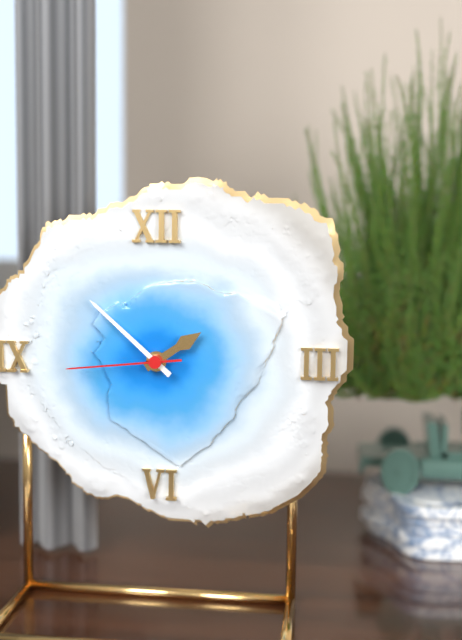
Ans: {"hour": 1, "minute": 52, "second": 44}
